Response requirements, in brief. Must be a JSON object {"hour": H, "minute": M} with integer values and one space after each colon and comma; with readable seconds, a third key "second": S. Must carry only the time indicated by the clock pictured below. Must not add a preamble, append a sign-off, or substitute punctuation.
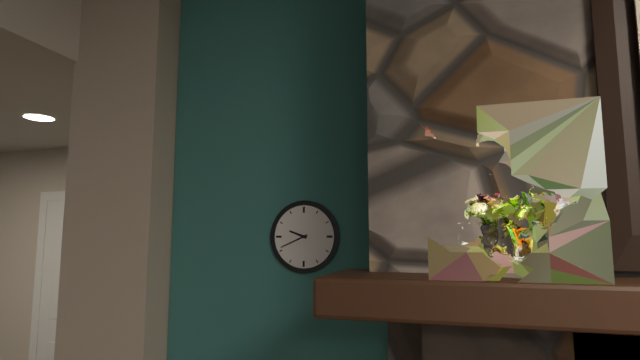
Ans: {"hour": 9, "minute": 41}
